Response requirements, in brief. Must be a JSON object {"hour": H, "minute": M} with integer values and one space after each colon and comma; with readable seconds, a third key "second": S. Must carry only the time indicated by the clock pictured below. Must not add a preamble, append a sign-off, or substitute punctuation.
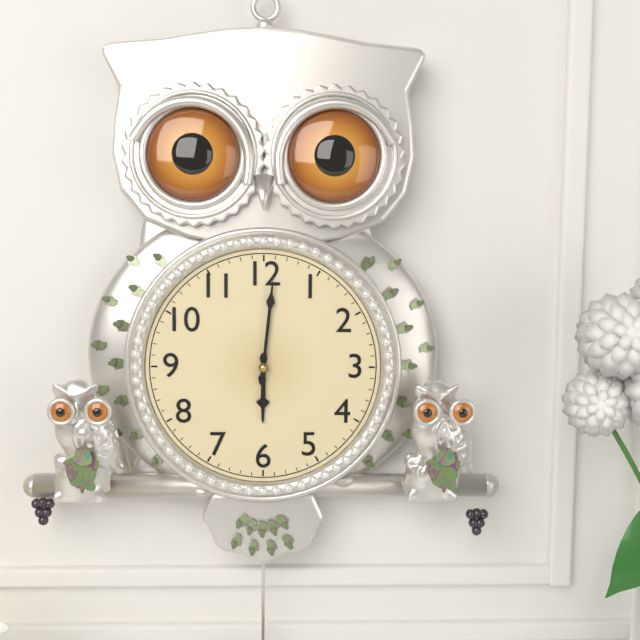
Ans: {"hour": 6, "minute": 1}
